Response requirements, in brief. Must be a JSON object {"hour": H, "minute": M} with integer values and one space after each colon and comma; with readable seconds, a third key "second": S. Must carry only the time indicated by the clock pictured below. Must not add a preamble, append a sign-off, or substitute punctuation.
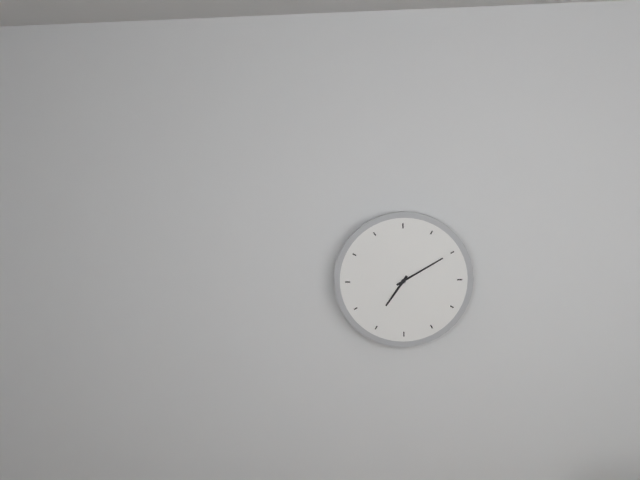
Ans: {"hour": 7, "minute": 10}
